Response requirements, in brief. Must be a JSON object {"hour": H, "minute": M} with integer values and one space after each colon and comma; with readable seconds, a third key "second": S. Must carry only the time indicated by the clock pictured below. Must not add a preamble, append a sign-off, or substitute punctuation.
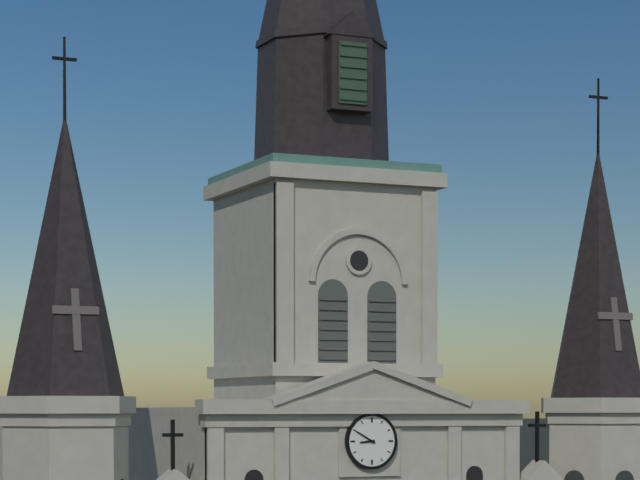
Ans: {"hour": 8, "minute": 50}
